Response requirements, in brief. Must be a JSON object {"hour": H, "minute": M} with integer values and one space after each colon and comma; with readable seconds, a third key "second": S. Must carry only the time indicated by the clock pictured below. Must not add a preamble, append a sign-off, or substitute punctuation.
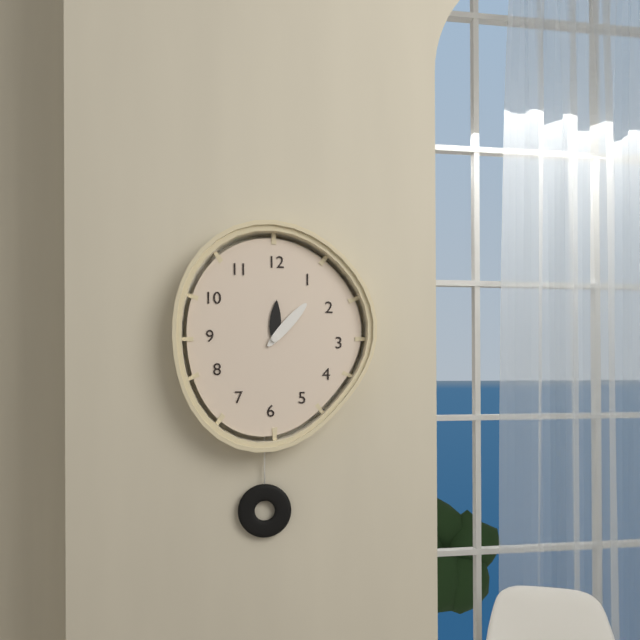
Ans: {"hour": 12, "minute": 7}
